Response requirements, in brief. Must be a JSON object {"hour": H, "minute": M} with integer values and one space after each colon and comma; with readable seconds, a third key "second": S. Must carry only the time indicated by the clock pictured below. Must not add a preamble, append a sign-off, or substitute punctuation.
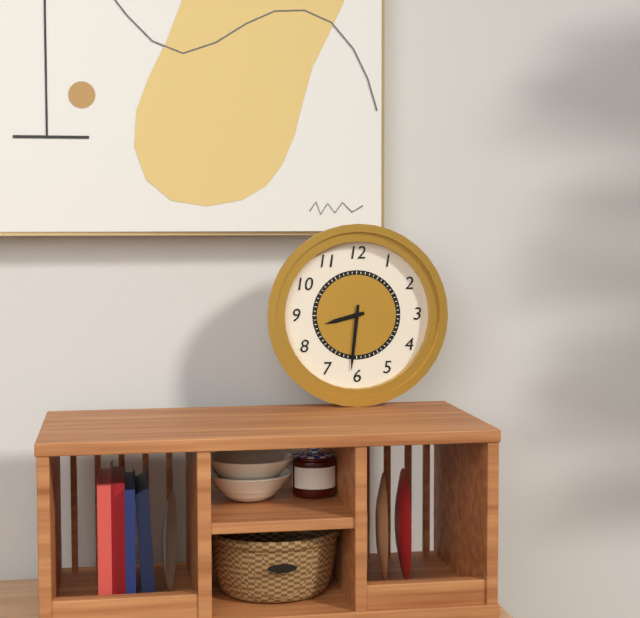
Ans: {"hour": 8, "minute": 31}
